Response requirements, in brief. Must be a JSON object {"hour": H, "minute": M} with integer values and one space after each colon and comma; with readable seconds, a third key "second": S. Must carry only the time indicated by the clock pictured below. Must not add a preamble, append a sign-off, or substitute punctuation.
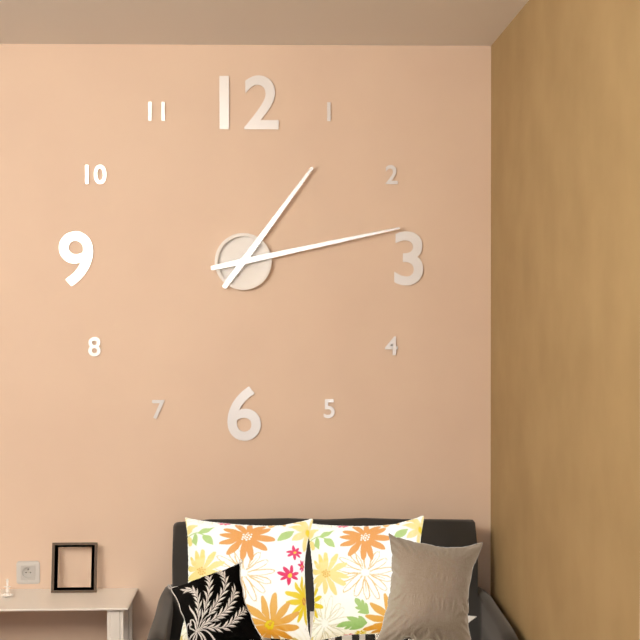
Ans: {"hour": 1, "minute": 13}
